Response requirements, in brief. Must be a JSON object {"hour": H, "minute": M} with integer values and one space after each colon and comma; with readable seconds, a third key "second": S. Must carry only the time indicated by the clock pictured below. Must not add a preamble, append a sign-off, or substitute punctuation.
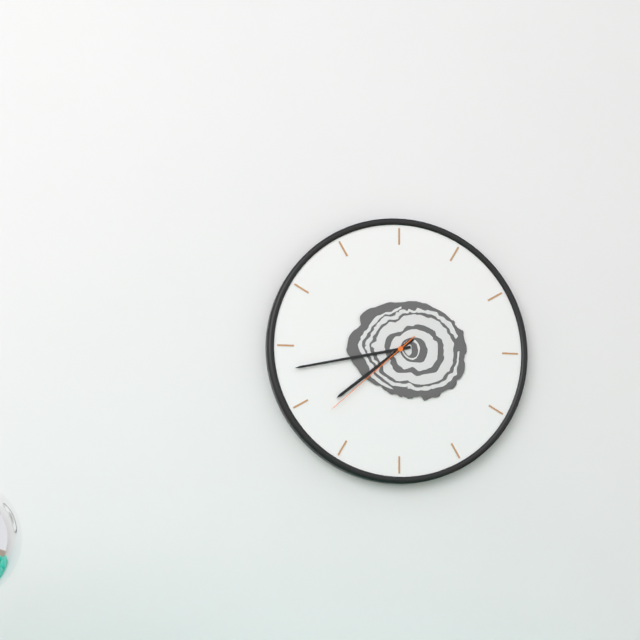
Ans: {"hour": 7, "minute": 43, "second": 38}
